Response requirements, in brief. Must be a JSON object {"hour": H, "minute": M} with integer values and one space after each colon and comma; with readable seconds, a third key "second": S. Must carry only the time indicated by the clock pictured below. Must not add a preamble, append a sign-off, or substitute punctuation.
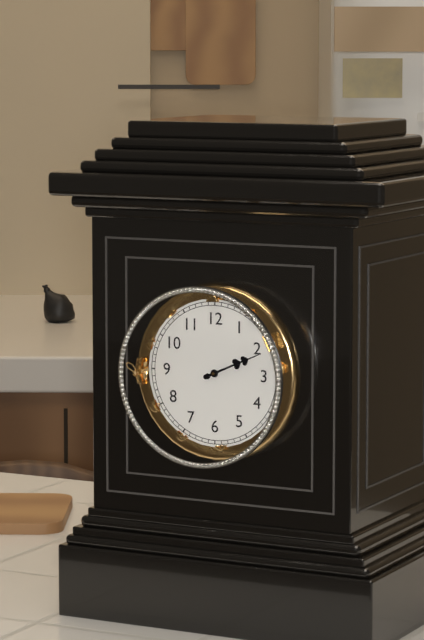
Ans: {"hour": 2, "minute": 11}
